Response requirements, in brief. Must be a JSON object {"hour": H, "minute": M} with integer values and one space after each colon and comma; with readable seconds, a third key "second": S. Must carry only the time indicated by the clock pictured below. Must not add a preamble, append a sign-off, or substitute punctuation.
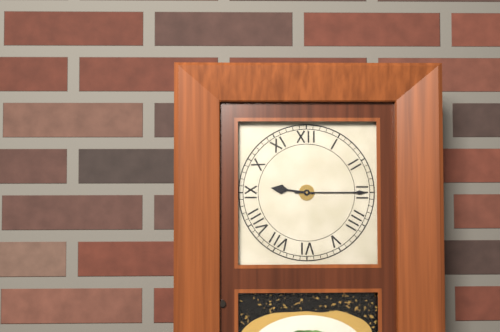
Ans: {"hour": 9, "minute": 15}
